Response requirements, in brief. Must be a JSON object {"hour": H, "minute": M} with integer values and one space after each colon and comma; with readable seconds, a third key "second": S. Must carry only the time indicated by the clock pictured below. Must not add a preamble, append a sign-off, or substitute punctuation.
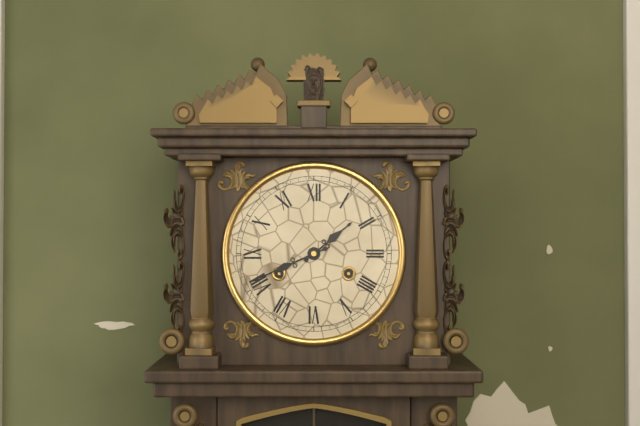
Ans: {"hour": 1, "minute": 41}
